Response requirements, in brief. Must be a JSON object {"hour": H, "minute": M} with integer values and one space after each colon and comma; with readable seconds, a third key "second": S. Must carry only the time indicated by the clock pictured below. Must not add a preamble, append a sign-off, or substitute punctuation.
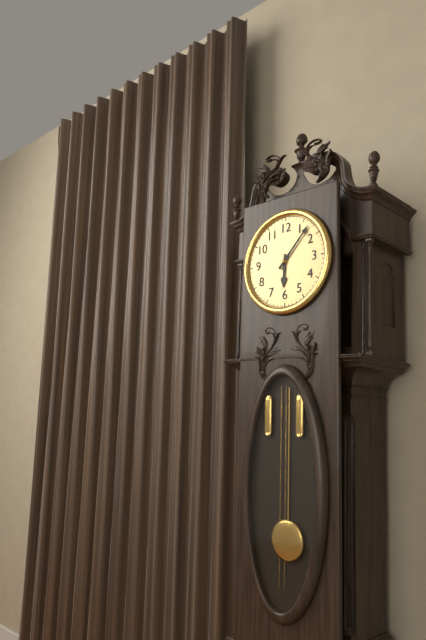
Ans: {"hour": 6, "minute": 7}
